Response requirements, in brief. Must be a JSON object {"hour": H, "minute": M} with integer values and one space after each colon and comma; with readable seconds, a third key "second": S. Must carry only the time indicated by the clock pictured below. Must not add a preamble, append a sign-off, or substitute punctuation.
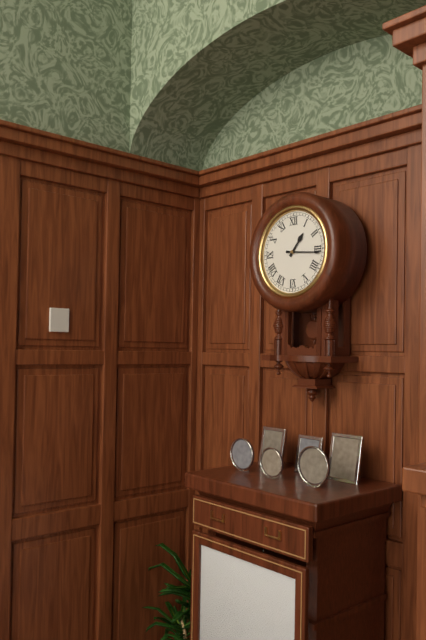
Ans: {"hour": 1, "minute": 16}
